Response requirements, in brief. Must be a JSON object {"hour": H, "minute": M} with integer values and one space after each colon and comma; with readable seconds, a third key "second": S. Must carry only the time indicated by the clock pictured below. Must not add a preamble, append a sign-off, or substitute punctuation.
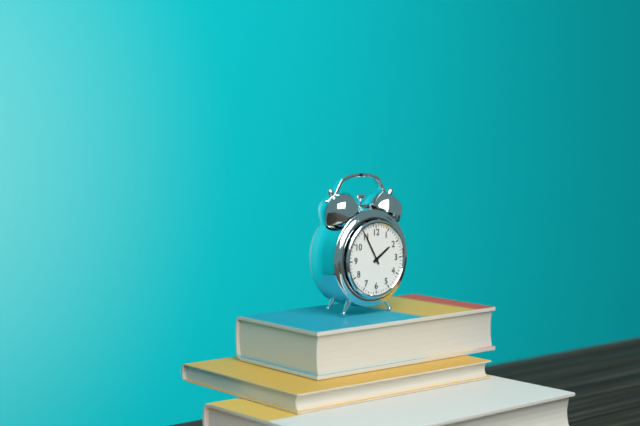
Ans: {"hour": 1, "minute": 55}
